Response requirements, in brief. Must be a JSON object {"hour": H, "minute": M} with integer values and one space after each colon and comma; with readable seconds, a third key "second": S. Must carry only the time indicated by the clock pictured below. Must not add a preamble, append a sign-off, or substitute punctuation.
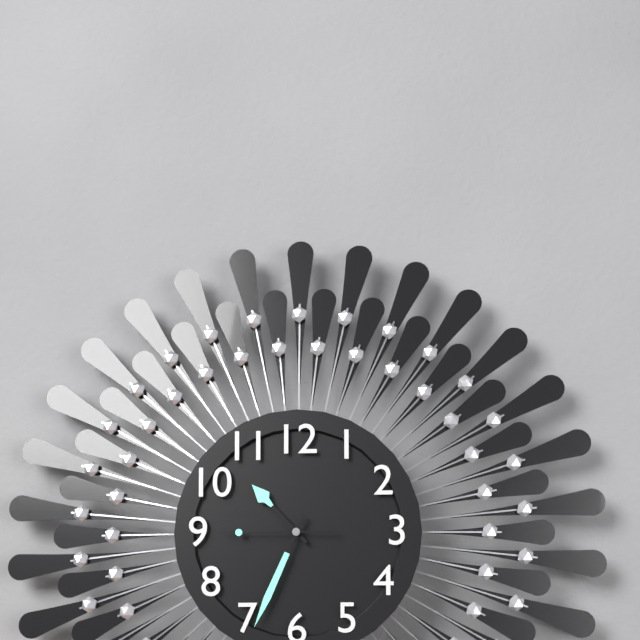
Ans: {"hour": 10, "minute": 34, "second": 45}
